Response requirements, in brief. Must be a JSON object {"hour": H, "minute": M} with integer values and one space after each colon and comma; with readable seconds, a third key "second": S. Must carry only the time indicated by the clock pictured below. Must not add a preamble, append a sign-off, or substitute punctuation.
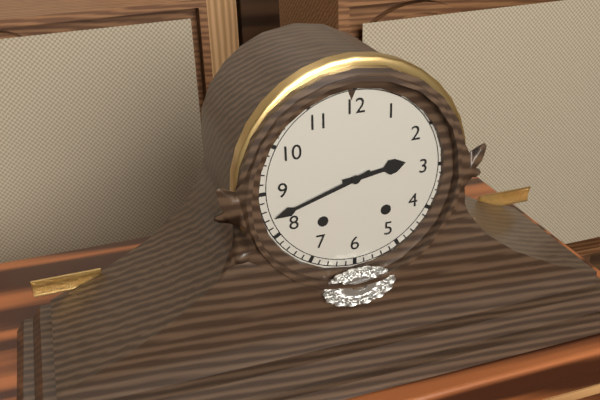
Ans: {"hour": 2, "minute": 42}
